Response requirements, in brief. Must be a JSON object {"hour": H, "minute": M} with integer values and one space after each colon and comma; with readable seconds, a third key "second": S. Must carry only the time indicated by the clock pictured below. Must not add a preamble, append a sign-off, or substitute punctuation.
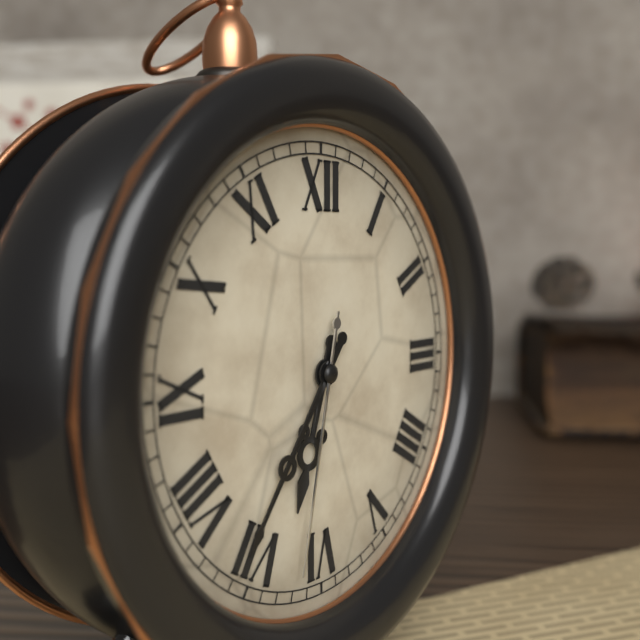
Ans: {"hour": 6, "minute": 36, "second": 32}
